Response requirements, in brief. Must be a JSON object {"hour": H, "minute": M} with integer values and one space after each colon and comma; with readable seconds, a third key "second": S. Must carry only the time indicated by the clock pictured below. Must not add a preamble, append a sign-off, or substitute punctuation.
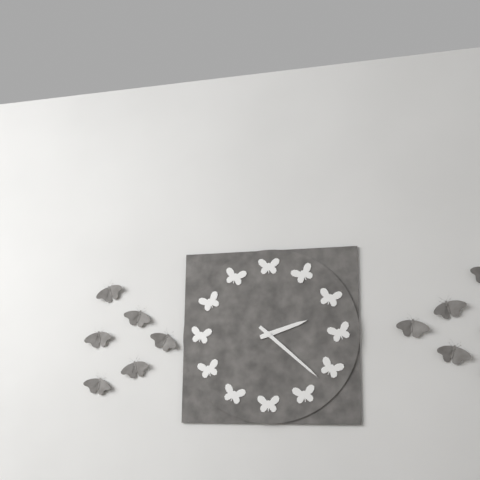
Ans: {"hour": 2, "minute": 22}
